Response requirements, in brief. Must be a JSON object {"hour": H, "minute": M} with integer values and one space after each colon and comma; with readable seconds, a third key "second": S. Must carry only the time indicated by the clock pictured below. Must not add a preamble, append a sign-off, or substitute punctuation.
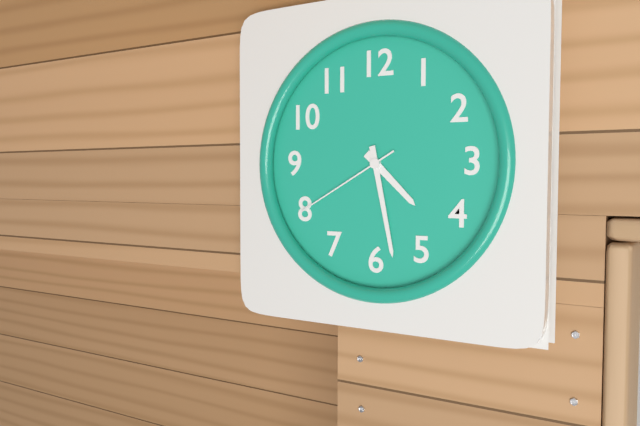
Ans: {"hour": 4, "minute": 28, "second": 40}
